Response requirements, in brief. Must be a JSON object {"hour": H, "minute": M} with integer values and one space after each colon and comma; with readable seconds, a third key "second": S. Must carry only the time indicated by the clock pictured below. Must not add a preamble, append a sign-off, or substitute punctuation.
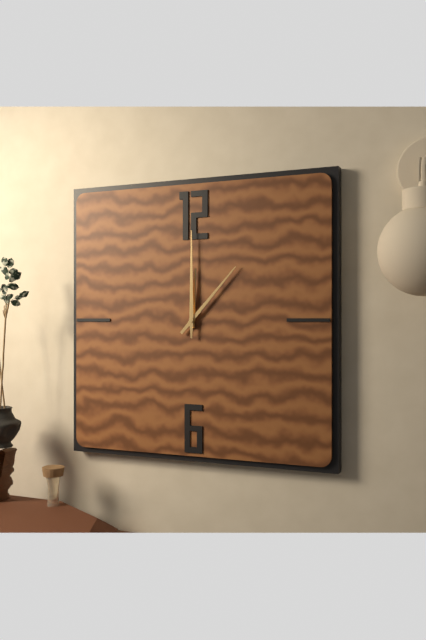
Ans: {"hour": 12, "minute": 7, "second": 0}
